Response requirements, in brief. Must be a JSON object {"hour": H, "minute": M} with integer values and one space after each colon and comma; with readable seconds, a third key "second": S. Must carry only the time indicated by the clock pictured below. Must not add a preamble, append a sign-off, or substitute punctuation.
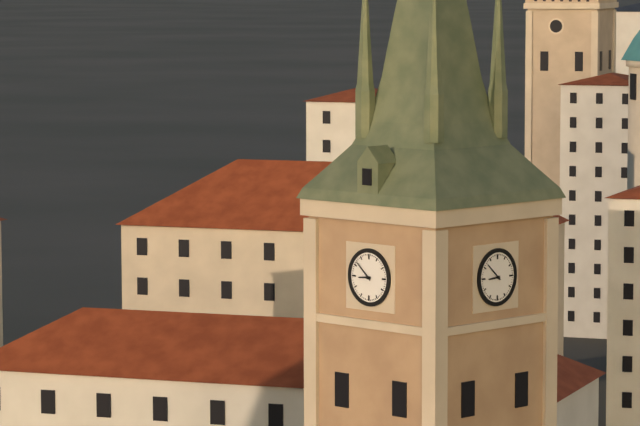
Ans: {"hour": 8, "minute": 52}
